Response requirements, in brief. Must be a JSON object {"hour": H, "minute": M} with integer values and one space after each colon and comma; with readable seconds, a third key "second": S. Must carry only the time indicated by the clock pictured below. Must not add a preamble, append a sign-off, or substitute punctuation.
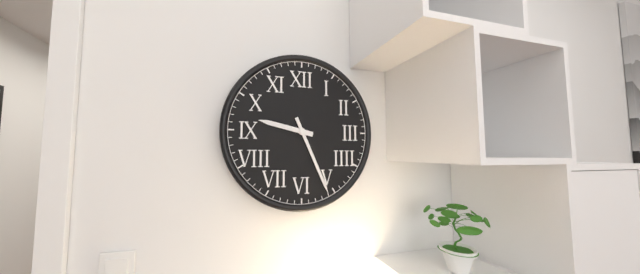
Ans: {"hour": 9, "minute": 26}
